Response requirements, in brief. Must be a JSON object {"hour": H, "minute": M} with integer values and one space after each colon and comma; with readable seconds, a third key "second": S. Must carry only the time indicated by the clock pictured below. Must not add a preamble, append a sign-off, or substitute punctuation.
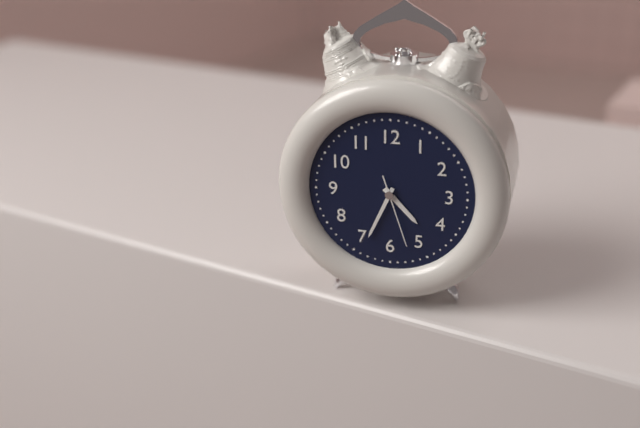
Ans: {"hour": 4, "minute": 34, "second": 27}
